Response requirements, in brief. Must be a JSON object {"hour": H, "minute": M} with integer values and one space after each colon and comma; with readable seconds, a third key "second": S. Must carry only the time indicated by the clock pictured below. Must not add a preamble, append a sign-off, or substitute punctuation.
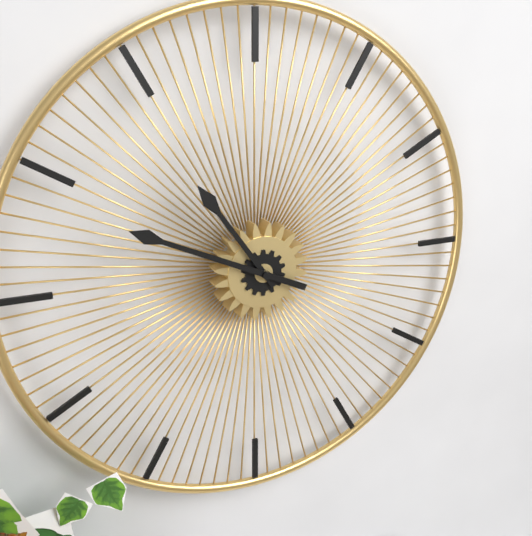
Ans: {"hour": 10, "minute": 49}
